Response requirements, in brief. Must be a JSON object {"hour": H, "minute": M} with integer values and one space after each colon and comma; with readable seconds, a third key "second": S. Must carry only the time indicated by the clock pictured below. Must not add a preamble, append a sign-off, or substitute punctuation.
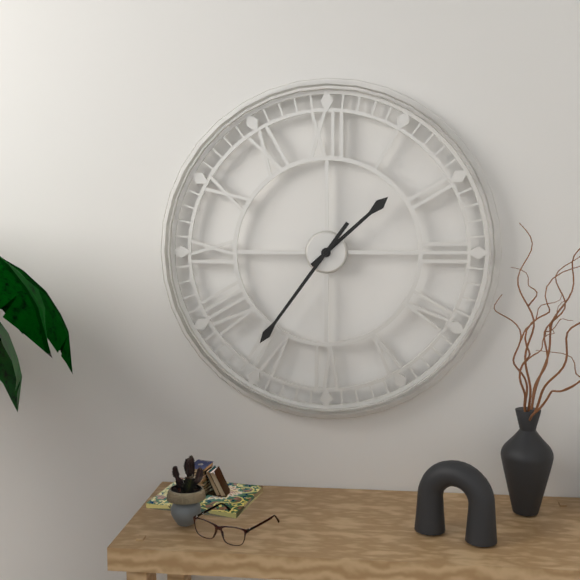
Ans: {"hour": 1, "minute": 36}
